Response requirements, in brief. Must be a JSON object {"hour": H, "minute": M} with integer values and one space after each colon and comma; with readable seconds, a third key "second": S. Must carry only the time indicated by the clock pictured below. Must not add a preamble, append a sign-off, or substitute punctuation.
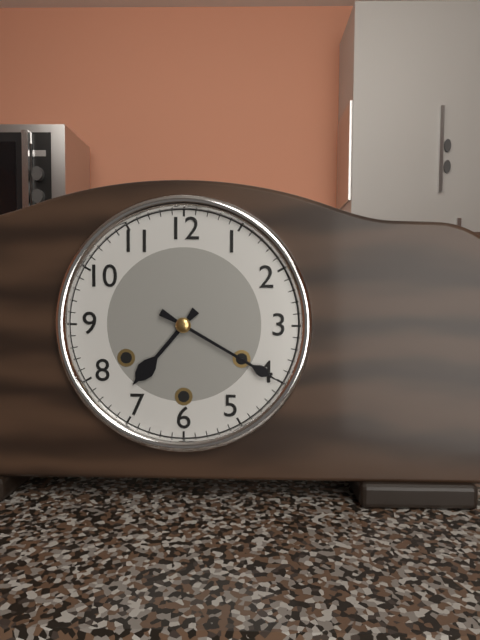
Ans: {"hour": 7, "minute": 20}
